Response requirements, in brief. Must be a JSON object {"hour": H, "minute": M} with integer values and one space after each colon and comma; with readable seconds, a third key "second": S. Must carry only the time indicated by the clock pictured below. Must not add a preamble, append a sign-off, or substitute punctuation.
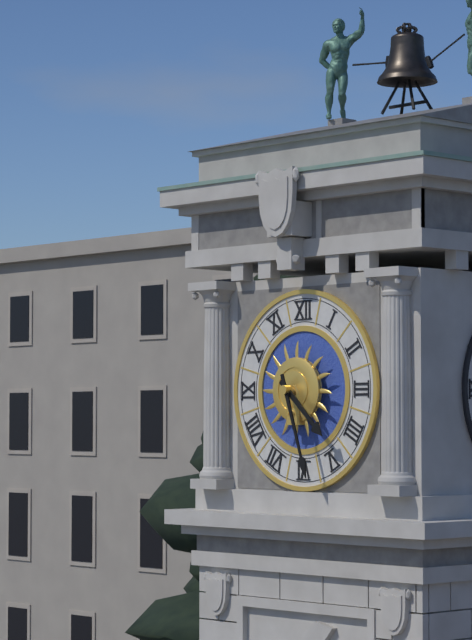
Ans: {"hour": 4, "minute": 27}
